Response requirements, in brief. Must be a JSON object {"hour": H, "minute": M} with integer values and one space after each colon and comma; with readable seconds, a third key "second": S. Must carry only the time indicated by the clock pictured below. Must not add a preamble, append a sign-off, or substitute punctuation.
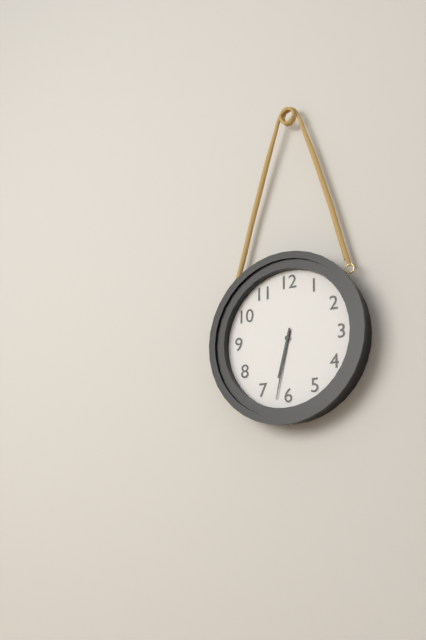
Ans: {"hour": 6, "minute": 32}
